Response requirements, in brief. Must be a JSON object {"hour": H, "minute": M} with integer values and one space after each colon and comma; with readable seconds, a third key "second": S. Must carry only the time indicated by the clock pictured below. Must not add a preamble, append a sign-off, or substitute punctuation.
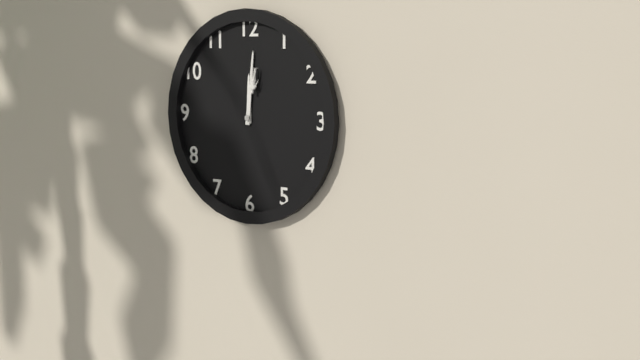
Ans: {"hour": 12, "minute": 1}
